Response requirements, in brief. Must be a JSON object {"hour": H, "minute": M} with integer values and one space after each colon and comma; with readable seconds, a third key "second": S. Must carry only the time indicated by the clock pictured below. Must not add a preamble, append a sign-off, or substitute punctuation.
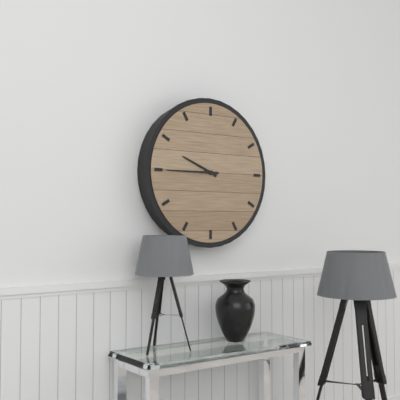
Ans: {"hour": 9, "minute": 45}
